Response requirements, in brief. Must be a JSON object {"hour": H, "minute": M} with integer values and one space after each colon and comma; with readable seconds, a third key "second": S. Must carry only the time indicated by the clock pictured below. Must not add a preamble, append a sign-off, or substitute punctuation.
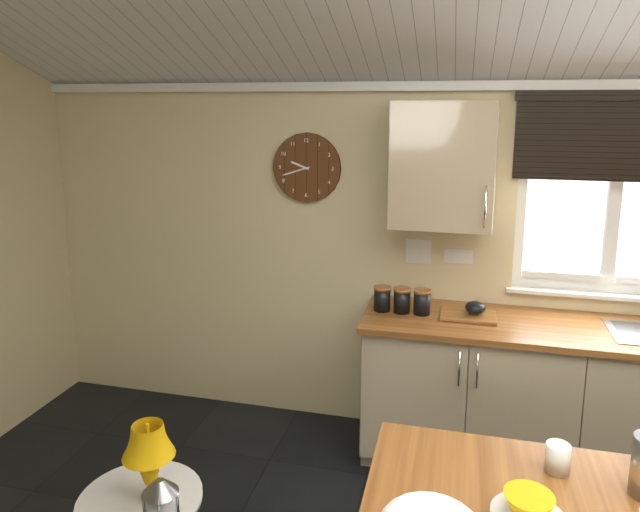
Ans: {"hour": 9, "minute": 42}
